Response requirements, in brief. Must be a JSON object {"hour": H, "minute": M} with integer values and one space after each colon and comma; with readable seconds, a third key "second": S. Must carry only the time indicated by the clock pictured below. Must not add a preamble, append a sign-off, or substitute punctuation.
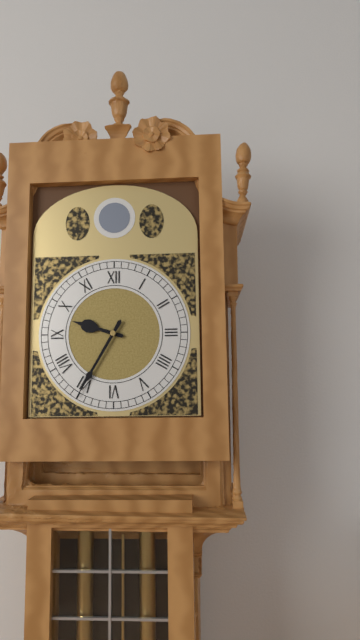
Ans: {"hour": 9, "minute": 35}
